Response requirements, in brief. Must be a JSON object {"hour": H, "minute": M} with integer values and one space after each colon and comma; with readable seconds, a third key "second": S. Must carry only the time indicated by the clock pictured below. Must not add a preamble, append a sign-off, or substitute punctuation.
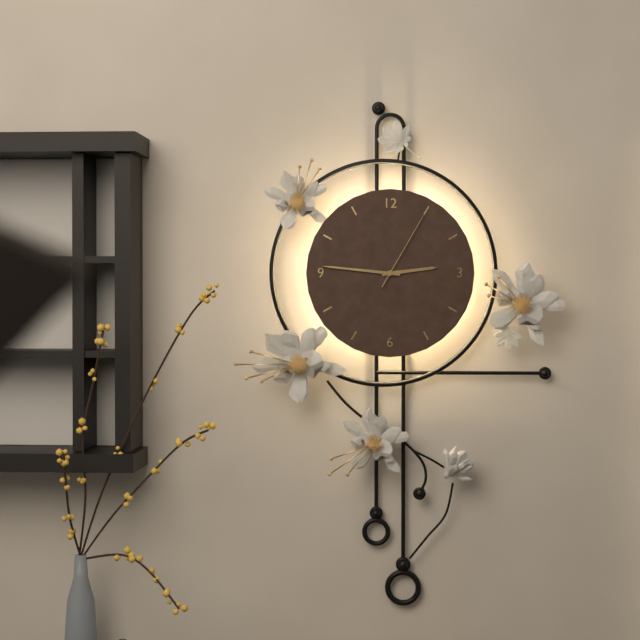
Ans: {"hour": 2, "minute": 46, "second": 5}
